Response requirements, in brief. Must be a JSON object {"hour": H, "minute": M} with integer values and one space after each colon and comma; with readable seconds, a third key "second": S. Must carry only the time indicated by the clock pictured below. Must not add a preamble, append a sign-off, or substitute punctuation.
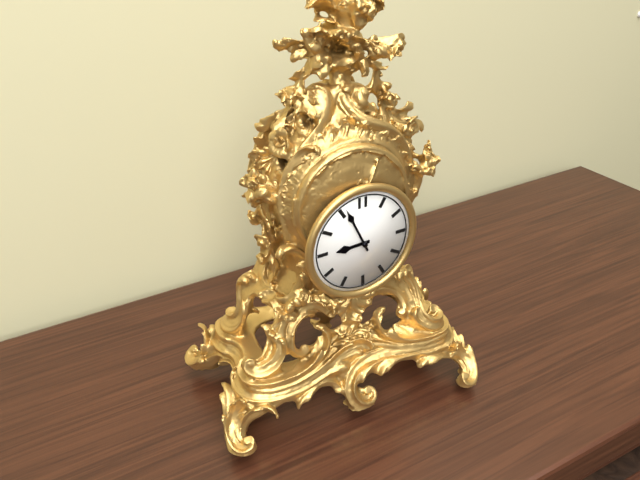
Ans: {"hour": 8, "minute": 56}
